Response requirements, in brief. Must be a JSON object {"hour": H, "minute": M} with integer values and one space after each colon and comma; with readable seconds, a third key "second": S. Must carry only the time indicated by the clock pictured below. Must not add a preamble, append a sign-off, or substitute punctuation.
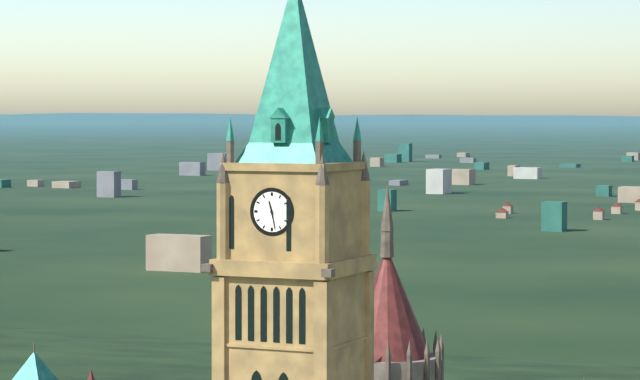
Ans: {"hour": 11, "minute": 28}
